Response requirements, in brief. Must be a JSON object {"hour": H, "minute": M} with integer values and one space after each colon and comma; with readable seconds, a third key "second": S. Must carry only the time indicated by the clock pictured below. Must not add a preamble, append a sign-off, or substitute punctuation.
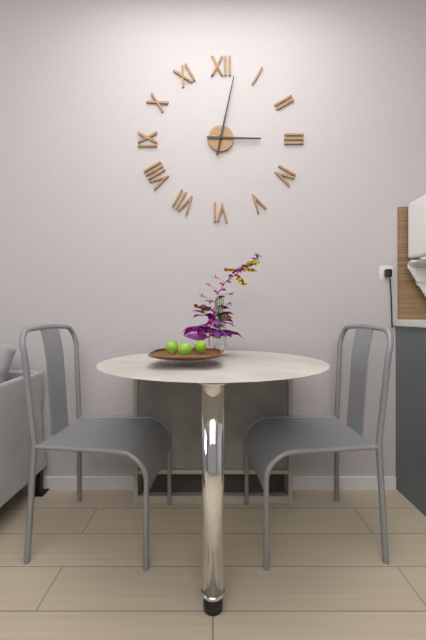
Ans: {"hour": 3, "minute": 2}
